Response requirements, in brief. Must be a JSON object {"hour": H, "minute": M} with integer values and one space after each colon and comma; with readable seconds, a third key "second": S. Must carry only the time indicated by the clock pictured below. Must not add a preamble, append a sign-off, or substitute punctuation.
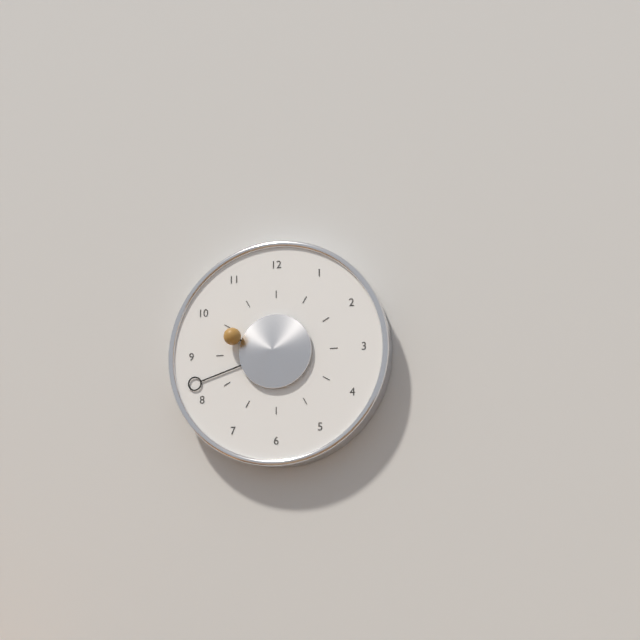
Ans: {"hour": 9, "minute": 42}
